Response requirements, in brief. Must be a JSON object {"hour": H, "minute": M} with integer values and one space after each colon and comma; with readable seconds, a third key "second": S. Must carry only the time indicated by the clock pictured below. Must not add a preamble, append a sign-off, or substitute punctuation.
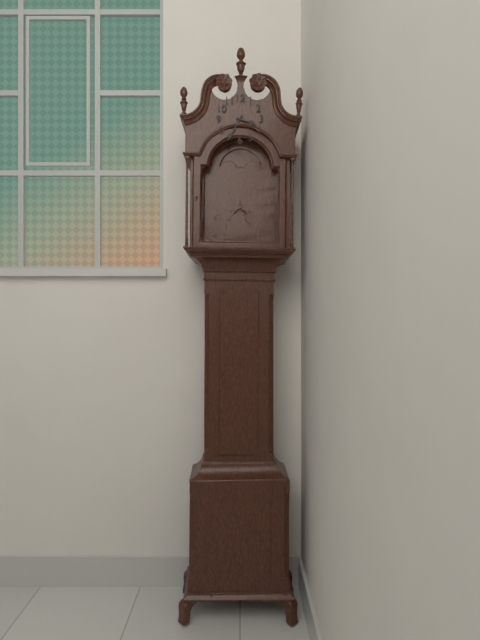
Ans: {"hour": 3, "minute": 35}
